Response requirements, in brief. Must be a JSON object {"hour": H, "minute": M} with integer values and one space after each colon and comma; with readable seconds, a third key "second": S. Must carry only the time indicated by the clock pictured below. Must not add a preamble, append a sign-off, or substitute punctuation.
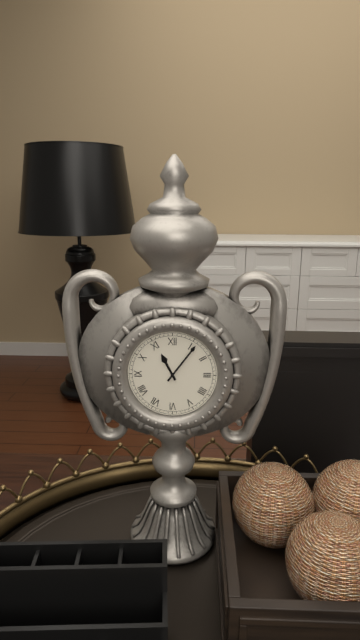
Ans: {"hour": 11, "minute": 6}
